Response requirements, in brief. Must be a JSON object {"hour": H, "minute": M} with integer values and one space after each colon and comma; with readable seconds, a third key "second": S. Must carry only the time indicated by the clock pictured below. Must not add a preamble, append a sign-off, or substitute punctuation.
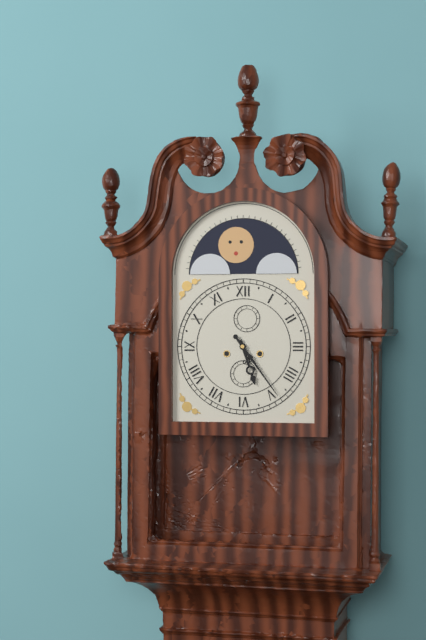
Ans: {"hour": 5, "minute": 24}
